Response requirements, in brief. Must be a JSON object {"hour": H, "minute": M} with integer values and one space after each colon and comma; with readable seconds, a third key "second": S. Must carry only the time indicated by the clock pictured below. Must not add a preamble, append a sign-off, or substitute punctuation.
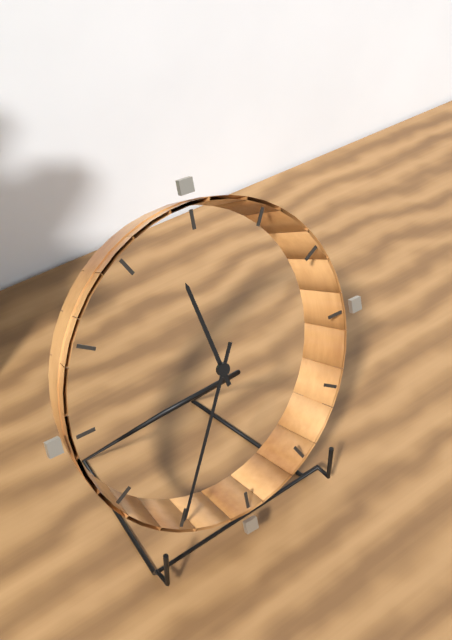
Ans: {"hour": 11, "minute": 35}
